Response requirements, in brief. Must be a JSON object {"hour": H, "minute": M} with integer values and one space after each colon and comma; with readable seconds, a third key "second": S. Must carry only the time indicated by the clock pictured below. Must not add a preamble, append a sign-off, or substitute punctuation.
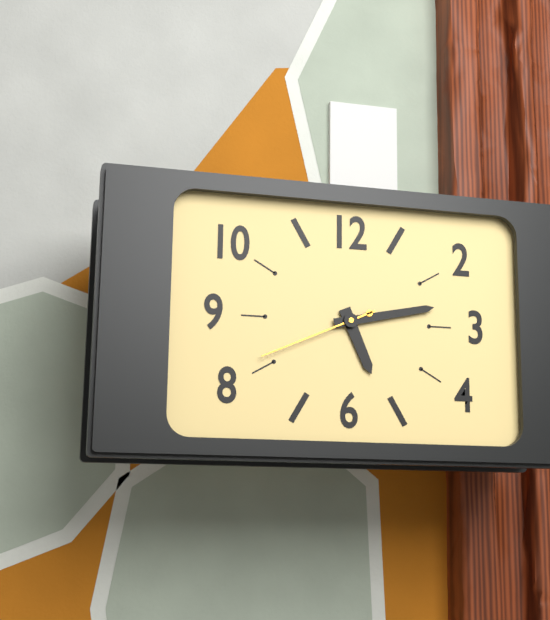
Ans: {"hour": 5, "minute": 13, "second": 41}
